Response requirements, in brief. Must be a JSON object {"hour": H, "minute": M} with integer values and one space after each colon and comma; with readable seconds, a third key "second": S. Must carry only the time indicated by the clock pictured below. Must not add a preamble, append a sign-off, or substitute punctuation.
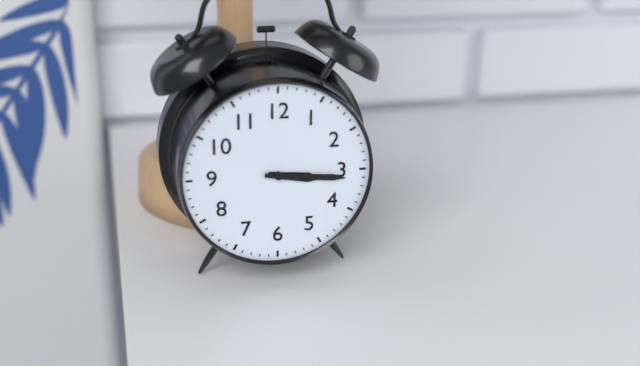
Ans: {"hour": 3, "minute": 16}
